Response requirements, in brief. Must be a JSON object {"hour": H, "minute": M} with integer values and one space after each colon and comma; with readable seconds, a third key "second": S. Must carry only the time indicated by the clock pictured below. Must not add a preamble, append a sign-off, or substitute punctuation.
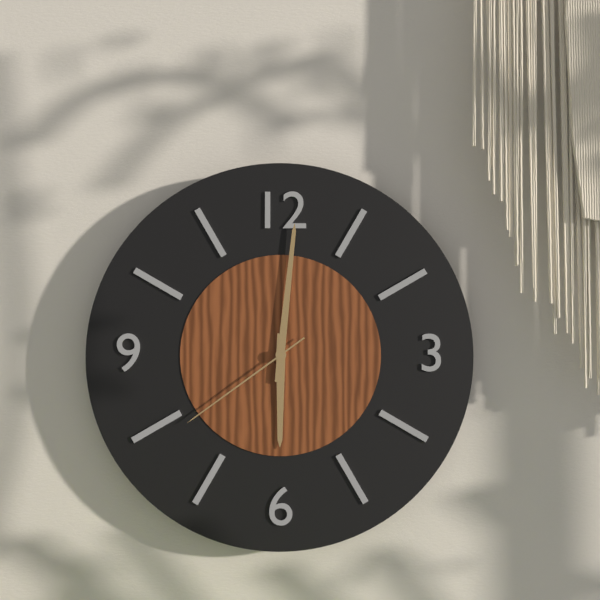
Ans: {"hour": 6, "minute": 1, "second": 39}
